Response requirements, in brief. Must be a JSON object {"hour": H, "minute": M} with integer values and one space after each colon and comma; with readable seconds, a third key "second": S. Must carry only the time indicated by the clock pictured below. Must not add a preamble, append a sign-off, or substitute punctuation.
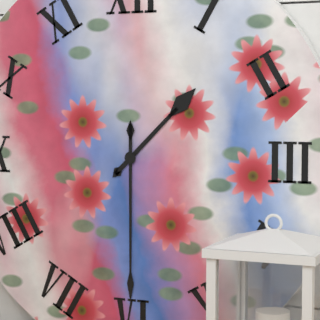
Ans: {"hour": 1, "minute": 30}
